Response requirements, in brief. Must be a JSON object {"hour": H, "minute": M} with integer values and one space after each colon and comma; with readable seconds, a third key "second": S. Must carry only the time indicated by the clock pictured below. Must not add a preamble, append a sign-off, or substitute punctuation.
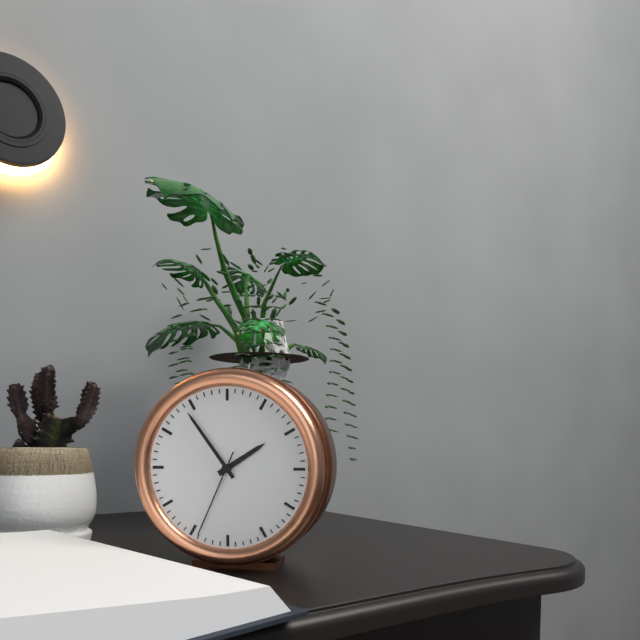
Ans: {"hour": 1, "minute": 54, "second": 34}
